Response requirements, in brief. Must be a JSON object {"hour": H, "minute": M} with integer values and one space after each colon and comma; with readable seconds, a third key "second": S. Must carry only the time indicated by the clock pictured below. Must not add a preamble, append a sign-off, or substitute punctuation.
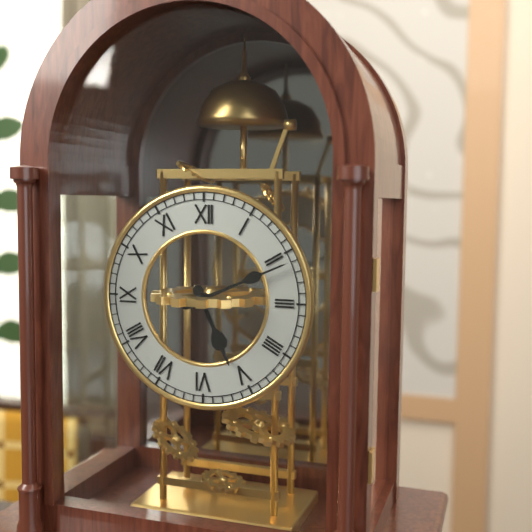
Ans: {"hour": 5, "minute": 11}
